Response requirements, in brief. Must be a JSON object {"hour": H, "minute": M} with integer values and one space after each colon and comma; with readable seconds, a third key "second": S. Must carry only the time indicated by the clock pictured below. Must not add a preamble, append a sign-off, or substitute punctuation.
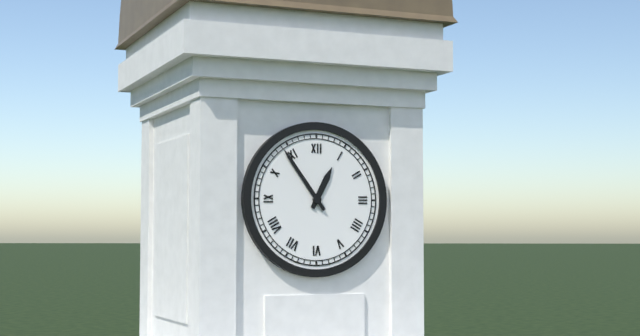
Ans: {"hour": 12, "minute": 54}
